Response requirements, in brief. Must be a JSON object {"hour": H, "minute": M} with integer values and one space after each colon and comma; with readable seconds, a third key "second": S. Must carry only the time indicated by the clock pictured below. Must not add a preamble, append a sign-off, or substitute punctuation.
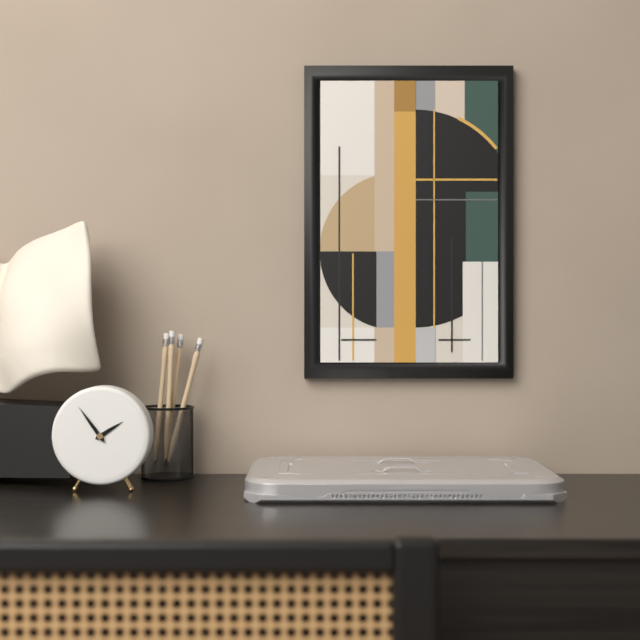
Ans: {"hour": 1, "minute": 54}
